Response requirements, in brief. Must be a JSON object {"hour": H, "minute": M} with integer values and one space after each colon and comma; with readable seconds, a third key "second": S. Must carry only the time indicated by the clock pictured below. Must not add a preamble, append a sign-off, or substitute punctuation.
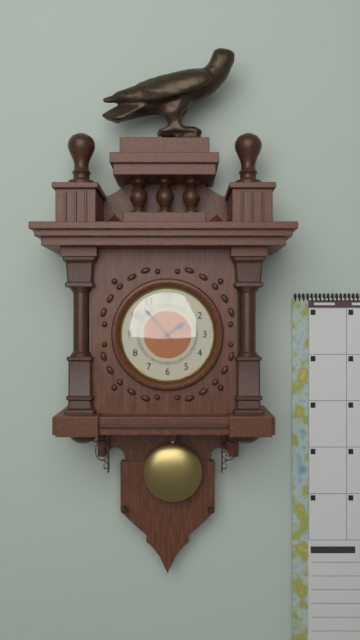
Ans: {"hour": 1, "minute": 53}
